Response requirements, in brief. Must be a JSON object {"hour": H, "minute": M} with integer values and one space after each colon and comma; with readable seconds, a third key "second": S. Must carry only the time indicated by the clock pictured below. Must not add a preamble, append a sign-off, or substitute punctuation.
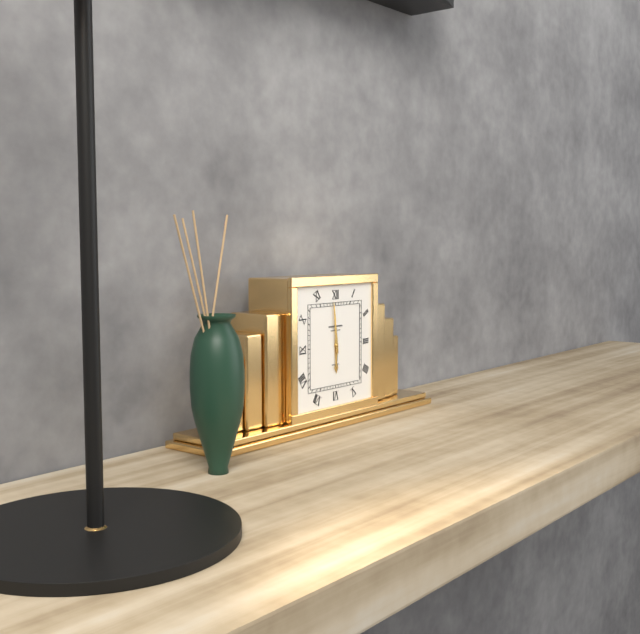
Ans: {"hour": 5, "minute": 59}
